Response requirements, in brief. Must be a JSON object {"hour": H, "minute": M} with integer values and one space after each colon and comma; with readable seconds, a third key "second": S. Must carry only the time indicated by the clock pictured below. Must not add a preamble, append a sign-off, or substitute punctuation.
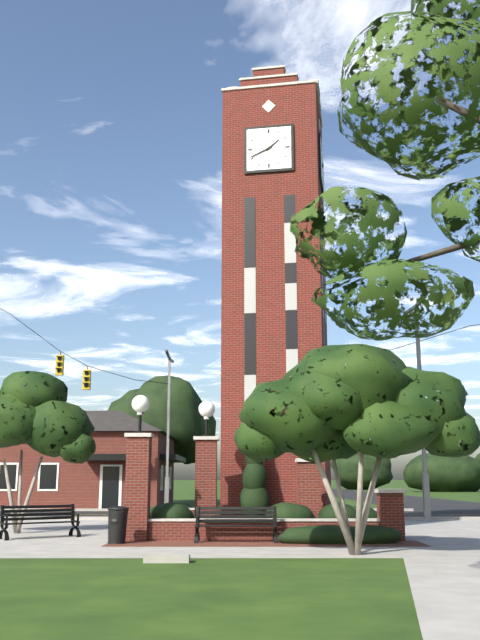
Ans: {"hour": 1, "minute": 41}
